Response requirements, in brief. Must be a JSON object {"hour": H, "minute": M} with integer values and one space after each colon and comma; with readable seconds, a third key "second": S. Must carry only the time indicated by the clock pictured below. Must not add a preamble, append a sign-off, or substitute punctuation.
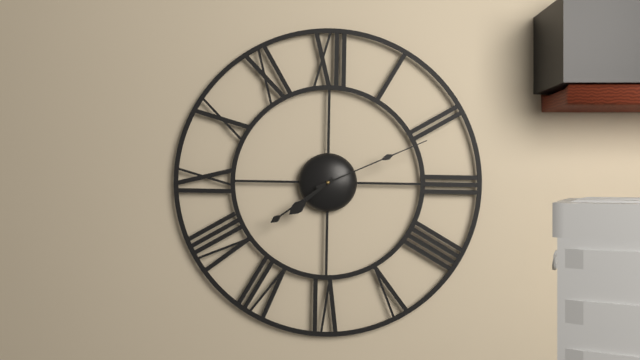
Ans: {"hour": 7, "minute": 39, "second": 11}
